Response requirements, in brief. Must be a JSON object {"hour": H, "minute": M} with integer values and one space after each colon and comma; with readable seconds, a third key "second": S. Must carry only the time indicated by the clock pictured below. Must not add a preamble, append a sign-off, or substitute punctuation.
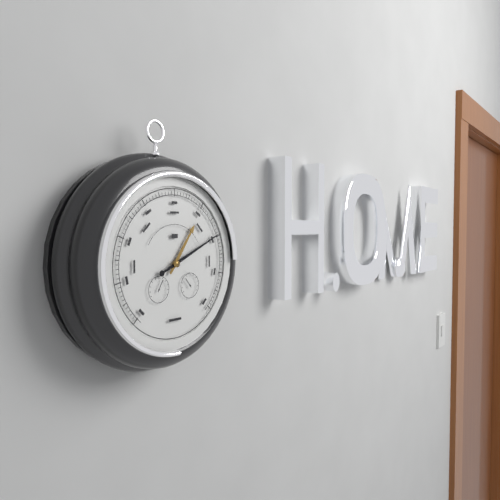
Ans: {"hour": 1, "minute": 11}
